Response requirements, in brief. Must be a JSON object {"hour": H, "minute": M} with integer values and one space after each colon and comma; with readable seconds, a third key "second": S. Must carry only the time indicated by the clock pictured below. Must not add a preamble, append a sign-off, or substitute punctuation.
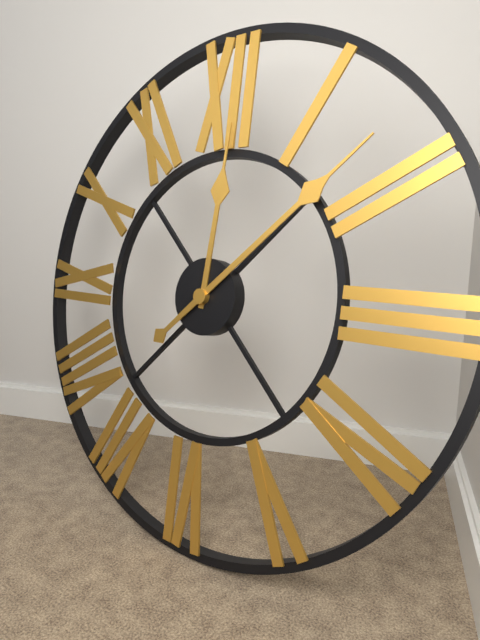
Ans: {"hour": 12, "minute": 8}
